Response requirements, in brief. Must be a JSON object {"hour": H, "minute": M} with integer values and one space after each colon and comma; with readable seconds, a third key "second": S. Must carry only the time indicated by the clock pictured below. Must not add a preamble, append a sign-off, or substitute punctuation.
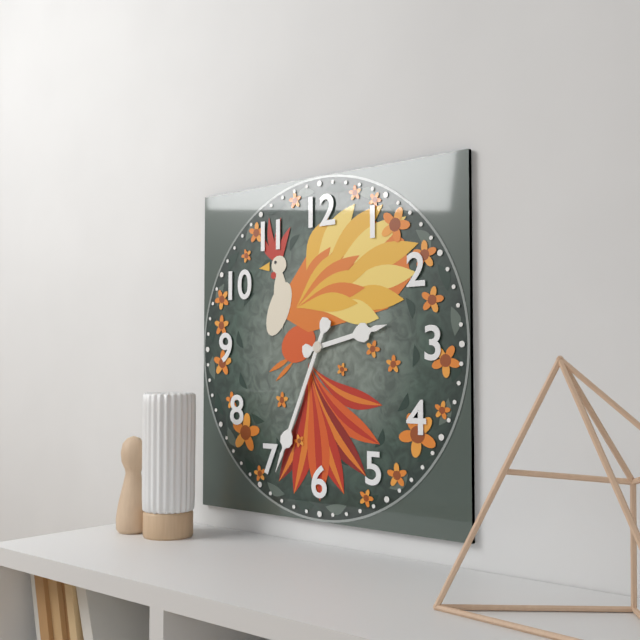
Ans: {"hour": 2, "minute": 34}
